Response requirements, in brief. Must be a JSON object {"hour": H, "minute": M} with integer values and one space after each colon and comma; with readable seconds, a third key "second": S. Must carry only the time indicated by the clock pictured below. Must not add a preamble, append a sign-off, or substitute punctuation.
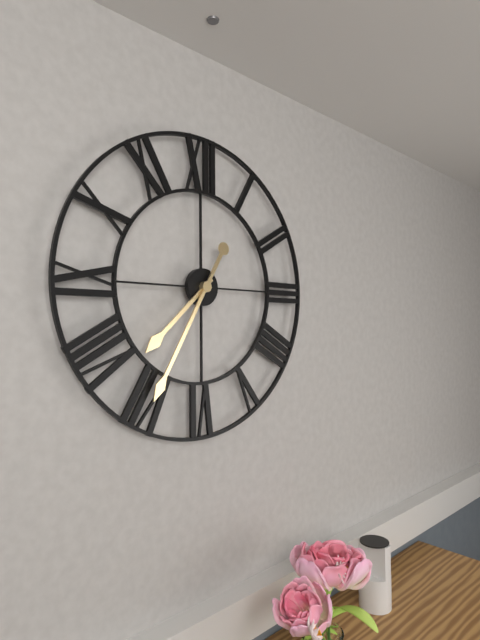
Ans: {"hour": 7, "minute": 35}
